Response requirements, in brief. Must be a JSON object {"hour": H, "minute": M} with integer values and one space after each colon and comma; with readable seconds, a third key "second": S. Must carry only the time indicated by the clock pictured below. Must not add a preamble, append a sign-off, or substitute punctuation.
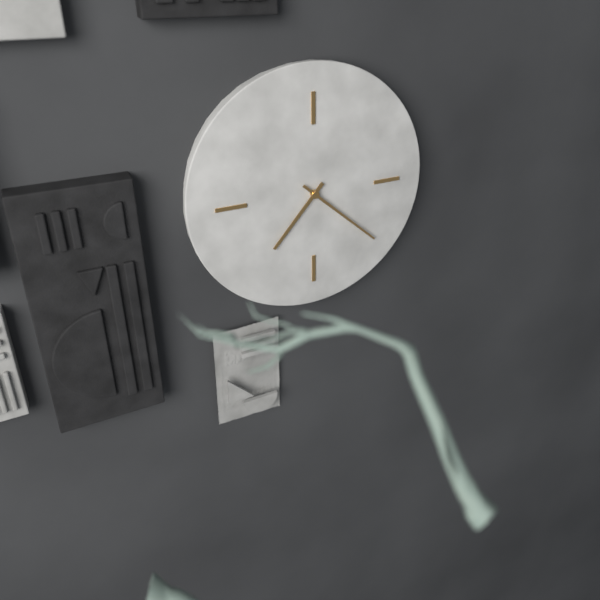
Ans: {"hour": 7, "minute": 22}
